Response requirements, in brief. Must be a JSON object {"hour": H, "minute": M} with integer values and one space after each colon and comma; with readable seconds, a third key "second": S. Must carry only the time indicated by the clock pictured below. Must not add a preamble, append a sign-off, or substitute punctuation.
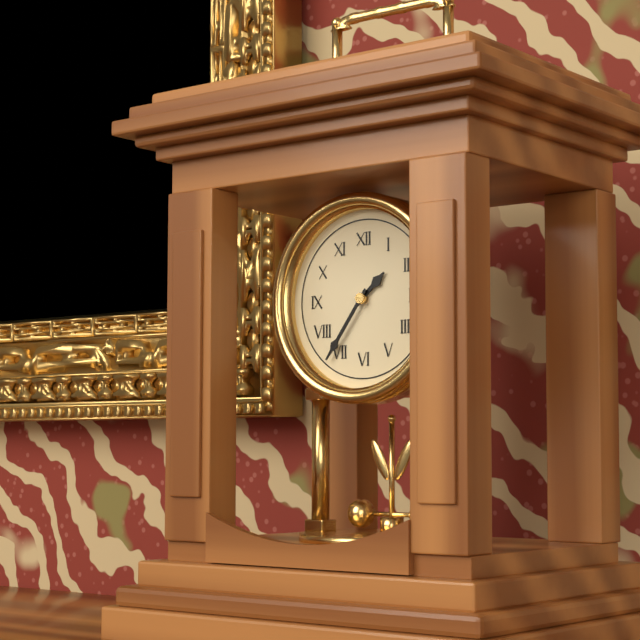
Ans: {"hour": 1, "minute": 36}
